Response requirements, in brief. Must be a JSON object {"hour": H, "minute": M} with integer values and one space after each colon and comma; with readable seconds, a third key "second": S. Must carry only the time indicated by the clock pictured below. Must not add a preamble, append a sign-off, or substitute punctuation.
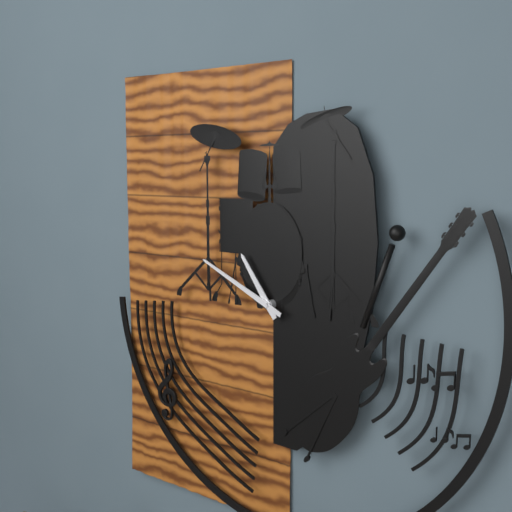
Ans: {"hour": 10, "minute": 49}
